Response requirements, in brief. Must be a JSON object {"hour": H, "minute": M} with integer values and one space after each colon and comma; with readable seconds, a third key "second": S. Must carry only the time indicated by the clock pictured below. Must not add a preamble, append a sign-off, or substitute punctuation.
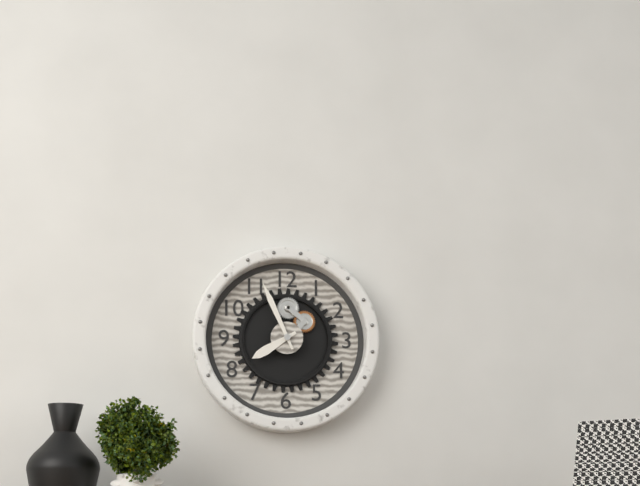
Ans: {"hour": 7, "minute": 56}
